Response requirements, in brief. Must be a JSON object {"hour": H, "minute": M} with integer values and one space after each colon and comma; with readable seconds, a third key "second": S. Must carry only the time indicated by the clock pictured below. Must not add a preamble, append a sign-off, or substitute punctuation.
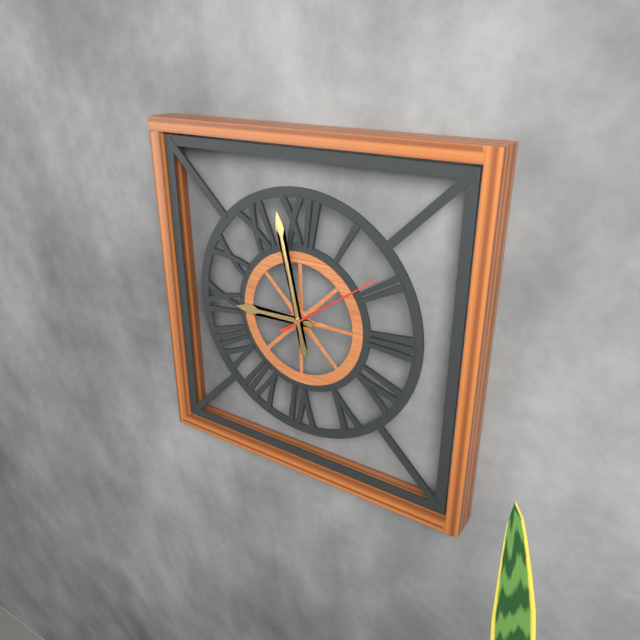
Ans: {"hour": 8, "minute": 58, "second": 9}
